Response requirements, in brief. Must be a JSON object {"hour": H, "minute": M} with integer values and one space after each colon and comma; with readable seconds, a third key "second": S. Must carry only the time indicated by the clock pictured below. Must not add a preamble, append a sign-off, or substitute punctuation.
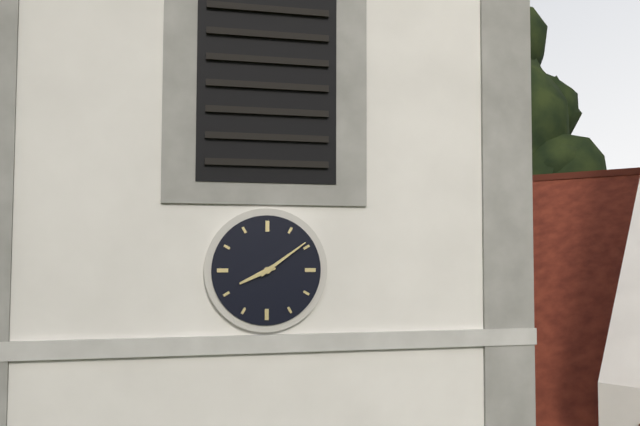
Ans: {"hour": 8, "minute": 9}
